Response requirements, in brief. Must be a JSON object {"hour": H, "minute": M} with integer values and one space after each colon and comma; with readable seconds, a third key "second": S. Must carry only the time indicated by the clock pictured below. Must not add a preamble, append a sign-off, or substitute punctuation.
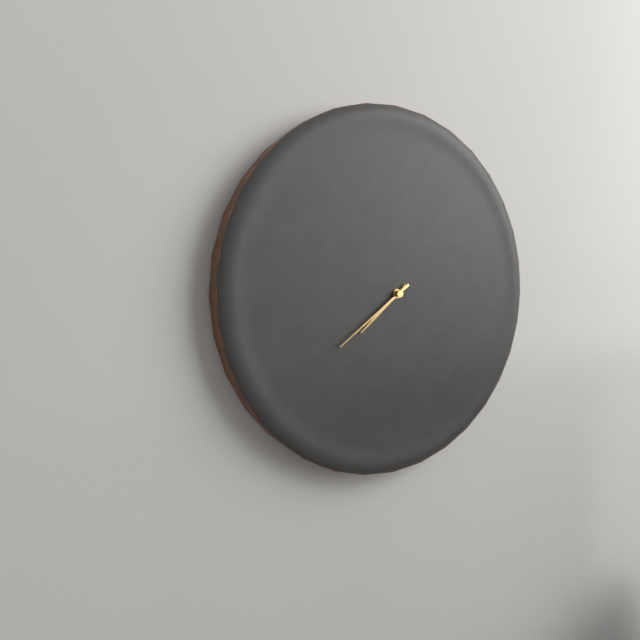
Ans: {"hour": 7, "minute": 39}
